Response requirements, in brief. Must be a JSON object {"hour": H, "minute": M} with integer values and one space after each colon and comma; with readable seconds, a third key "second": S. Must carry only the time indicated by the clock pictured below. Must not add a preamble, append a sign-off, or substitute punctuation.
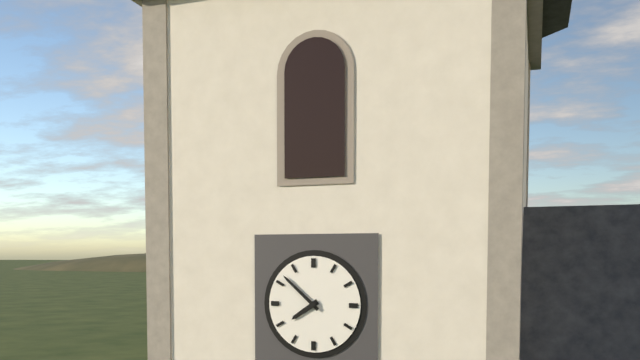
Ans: {"hour": 7, "minute": 52}
